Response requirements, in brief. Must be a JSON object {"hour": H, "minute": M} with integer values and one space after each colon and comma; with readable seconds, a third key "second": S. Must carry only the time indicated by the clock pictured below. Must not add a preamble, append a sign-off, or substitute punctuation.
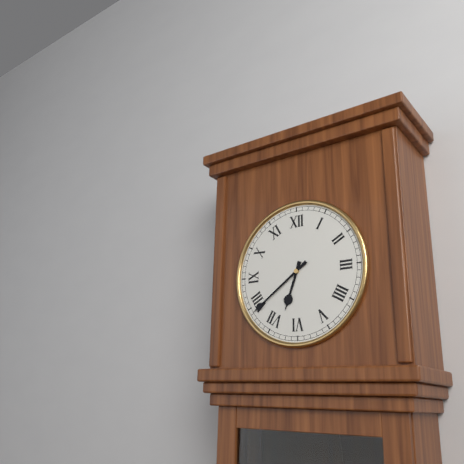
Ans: {"hour": 6, "minute": 39}
